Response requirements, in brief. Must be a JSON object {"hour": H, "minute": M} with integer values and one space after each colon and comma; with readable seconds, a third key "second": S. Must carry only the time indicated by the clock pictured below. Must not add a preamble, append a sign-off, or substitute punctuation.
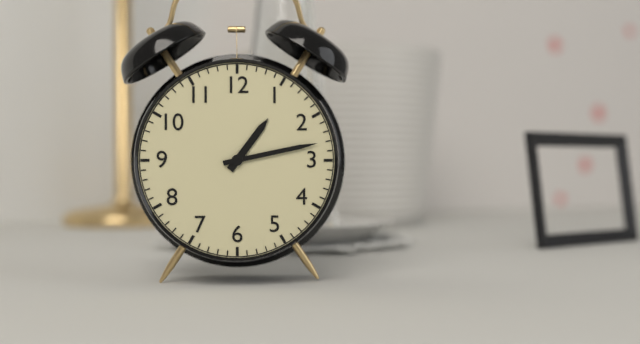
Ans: {"hour": 1, "minute": 13}
